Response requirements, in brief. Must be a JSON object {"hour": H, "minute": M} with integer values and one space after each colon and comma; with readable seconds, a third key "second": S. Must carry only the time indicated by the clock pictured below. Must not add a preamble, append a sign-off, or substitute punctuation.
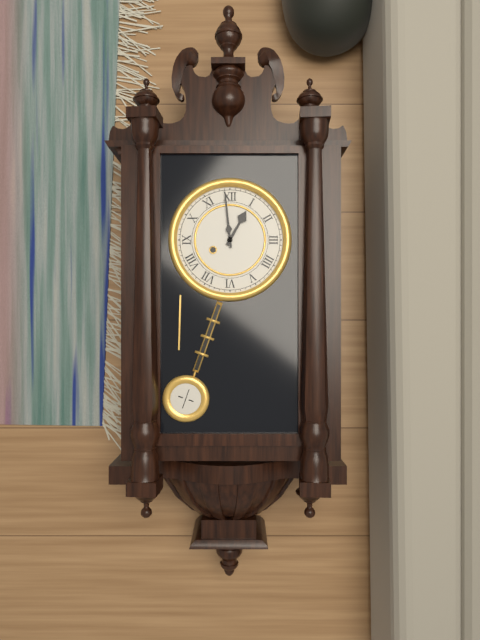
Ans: {"hour": 12, "minute": 59}
